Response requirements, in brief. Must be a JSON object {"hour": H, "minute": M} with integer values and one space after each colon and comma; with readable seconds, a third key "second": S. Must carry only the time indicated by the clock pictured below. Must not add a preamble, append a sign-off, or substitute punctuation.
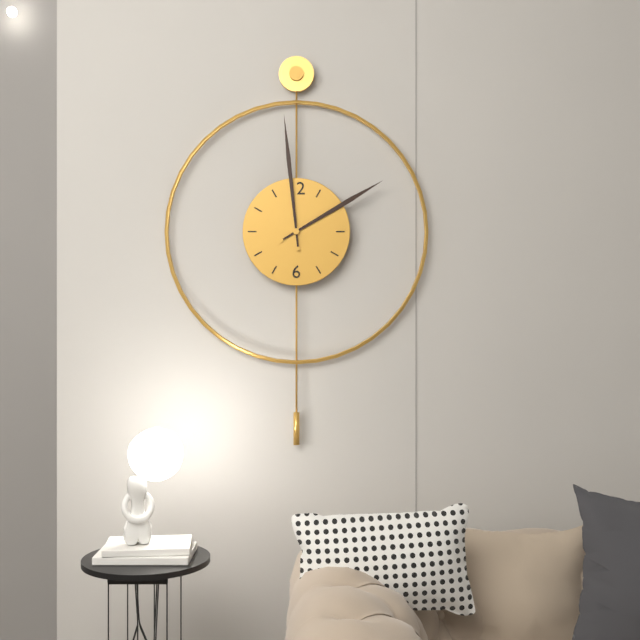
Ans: {"hour": 1, "minute": 59}
